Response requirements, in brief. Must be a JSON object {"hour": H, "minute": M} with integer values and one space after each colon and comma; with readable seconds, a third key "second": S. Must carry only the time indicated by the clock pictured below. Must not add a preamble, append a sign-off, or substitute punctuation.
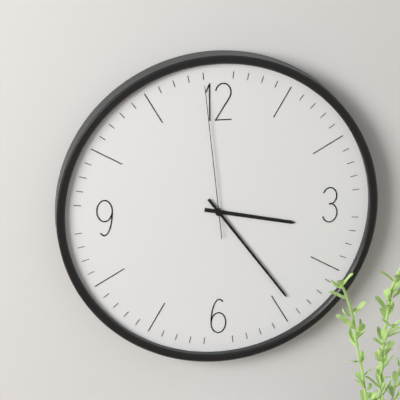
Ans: {"hour": 3, "minute": 24, "second": 59}
